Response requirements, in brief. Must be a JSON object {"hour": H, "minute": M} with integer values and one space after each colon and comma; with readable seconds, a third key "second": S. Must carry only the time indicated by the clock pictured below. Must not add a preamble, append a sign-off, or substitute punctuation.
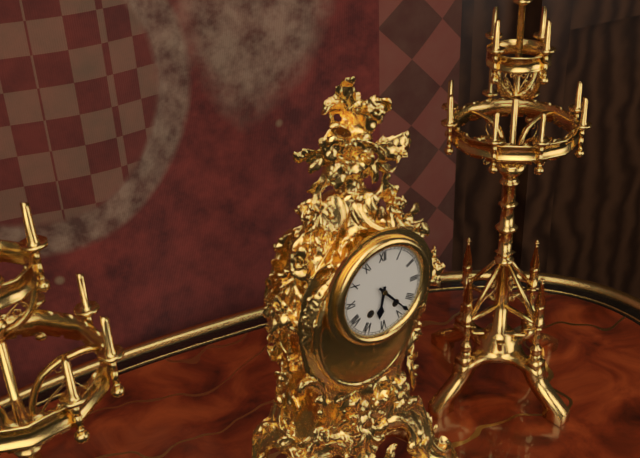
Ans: {"hour": 6, "minute": 23}
